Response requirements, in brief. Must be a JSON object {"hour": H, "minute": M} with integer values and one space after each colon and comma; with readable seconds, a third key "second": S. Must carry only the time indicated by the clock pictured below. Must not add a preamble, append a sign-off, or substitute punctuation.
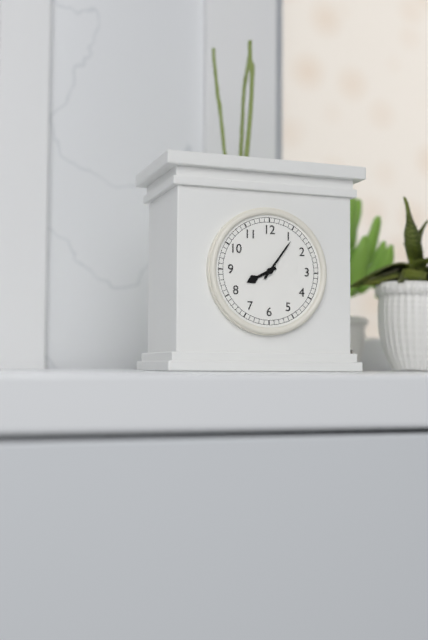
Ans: {"hour": 8, "minute": 6}
